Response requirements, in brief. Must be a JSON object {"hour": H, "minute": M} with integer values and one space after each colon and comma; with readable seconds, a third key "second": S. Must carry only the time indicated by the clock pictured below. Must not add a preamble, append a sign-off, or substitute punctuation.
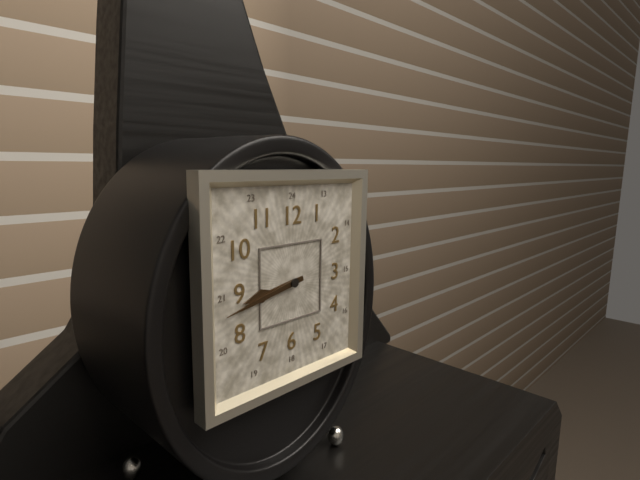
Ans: {"hour": 8, "minute": 43}
